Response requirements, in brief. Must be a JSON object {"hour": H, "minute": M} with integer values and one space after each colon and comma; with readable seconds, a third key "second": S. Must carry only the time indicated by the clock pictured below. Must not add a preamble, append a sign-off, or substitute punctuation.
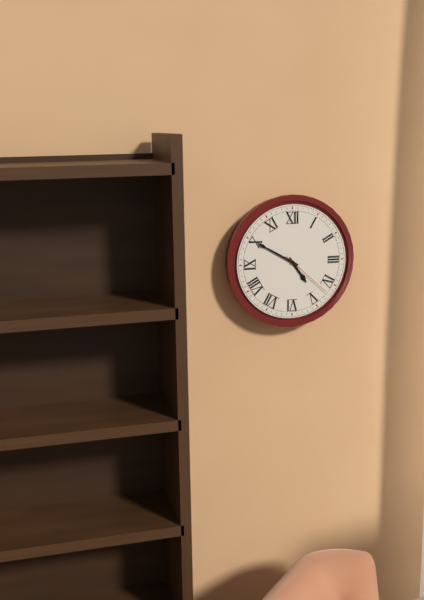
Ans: {"hour": 4, "minute": 50, "second": 22}
